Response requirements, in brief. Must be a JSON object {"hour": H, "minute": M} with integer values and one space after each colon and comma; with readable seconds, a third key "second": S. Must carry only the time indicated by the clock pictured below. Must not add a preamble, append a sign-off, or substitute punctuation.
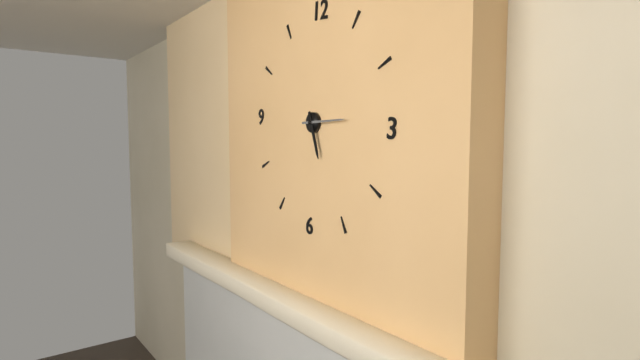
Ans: {"hour": 5, "minute": 14}
